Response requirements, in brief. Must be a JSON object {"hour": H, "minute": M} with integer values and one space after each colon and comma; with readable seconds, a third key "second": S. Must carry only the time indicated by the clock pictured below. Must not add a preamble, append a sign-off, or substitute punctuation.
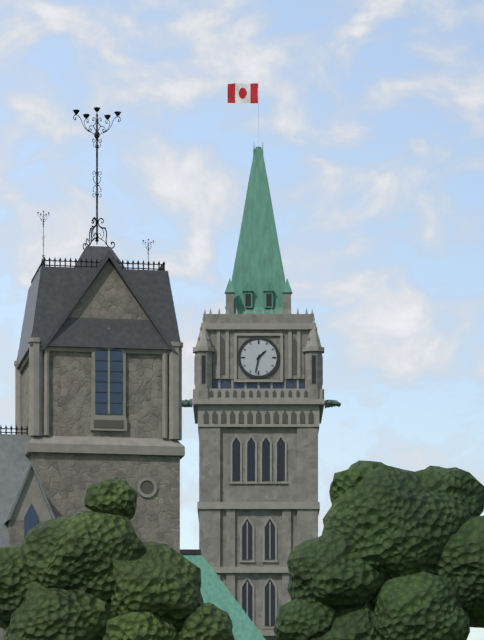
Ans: {"hour": 1, "minute": 32}
